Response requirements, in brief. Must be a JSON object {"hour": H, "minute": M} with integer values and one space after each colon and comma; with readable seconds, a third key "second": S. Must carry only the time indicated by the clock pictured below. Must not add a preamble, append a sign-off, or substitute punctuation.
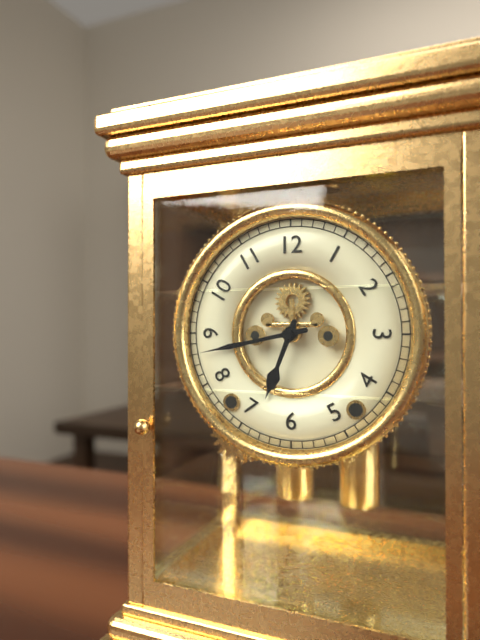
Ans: {"hour": 6, "minute": 43}
